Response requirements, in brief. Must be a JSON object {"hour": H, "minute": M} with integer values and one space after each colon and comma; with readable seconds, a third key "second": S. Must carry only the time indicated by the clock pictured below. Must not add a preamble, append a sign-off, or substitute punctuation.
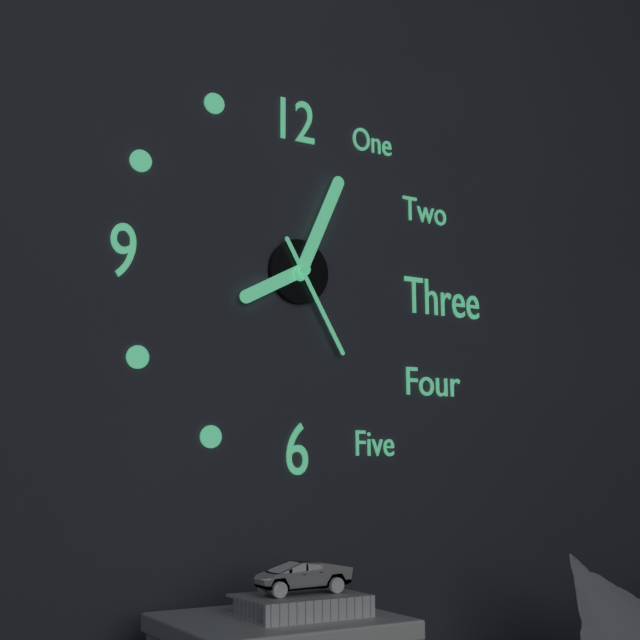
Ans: {"hour": 8, "minute": 4, "second": 25}
